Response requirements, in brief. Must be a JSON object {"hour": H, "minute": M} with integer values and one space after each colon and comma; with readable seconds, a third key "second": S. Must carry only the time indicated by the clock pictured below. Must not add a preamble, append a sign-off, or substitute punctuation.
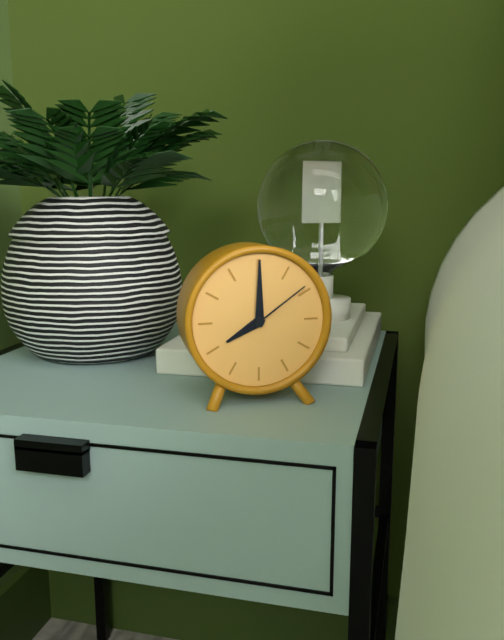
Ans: {"hour": 8, "minute": 0, "second": 9}
